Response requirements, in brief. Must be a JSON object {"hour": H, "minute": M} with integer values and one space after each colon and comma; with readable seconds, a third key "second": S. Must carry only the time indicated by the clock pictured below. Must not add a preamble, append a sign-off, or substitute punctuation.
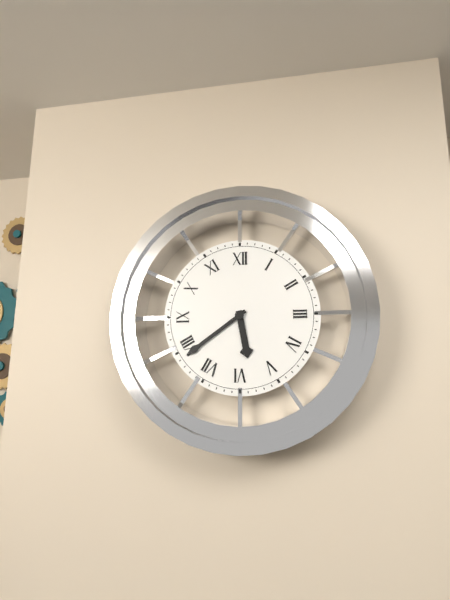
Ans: {"hour": 5, "minute": 39}
